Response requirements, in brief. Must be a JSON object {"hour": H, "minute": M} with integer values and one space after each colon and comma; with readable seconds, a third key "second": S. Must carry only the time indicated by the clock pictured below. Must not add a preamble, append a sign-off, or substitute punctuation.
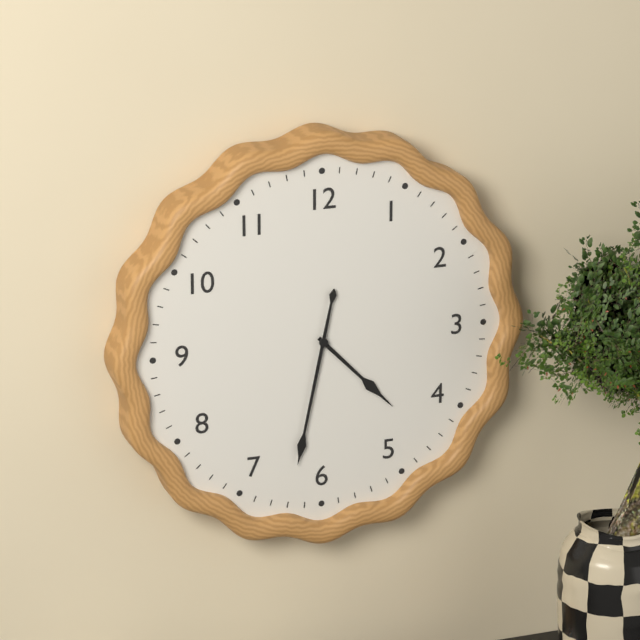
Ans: {"hour": 4, "minute": 32}
